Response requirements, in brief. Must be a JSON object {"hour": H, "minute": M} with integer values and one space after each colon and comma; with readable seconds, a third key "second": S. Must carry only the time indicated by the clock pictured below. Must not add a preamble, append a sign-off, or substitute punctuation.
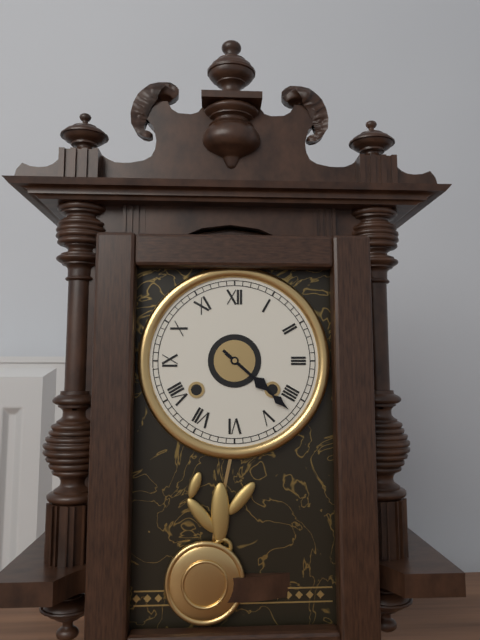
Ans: {"hour": 4, "minute": 22}
